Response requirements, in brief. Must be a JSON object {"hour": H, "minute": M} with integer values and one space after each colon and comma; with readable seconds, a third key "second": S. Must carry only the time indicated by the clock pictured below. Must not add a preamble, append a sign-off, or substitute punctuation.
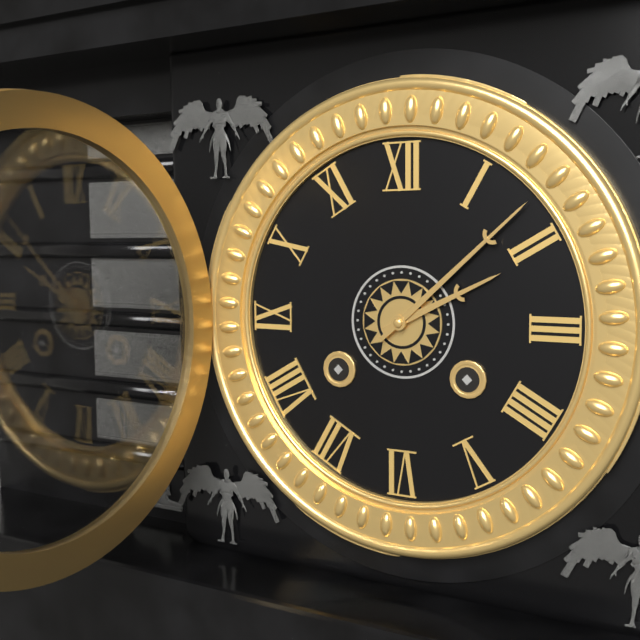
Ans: {"hour": 2, "minute": 8}
